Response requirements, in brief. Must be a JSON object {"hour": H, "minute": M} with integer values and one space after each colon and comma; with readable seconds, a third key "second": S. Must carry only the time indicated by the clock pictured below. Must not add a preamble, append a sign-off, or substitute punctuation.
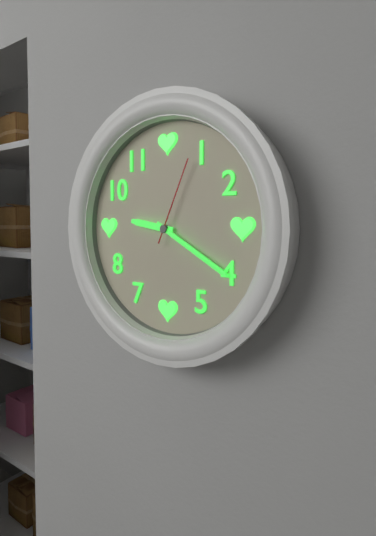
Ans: {"hour": 9, "minute": 20, "second": 4}
